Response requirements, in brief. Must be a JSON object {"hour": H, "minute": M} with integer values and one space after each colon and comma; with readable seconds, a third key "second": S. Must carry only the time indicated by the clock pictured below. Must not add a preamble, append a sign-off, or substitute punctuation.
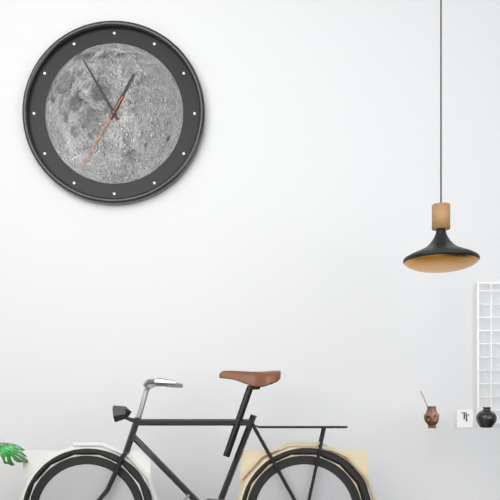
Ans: {"hour": 12, "minute": 55, "second": 35}
